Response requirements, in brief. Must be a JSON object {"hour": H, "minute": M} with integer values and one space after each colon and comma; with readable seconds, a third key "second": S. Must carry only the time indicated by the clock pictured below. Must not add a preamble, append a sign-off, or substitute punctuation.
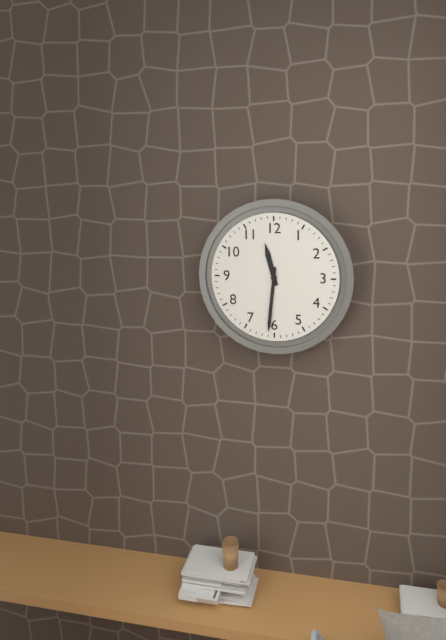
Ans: {"hour": 11, "minute": 31}
